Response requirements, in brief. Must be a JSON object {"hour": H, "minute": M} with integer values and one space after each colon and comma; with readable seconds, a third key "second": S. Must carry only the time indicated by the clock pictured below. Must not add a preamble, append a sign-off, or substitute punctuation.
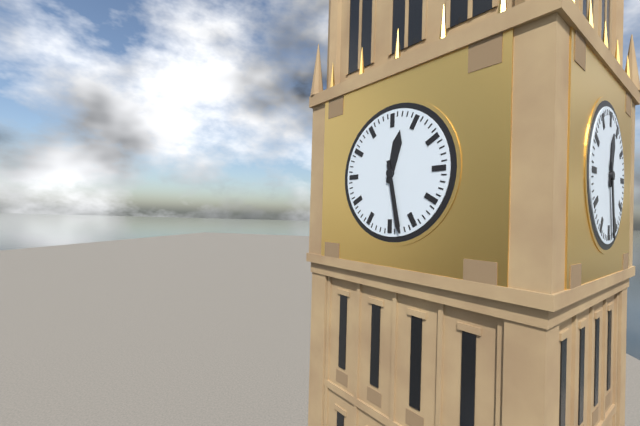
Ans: {"hour": 12, "minute": 28}
